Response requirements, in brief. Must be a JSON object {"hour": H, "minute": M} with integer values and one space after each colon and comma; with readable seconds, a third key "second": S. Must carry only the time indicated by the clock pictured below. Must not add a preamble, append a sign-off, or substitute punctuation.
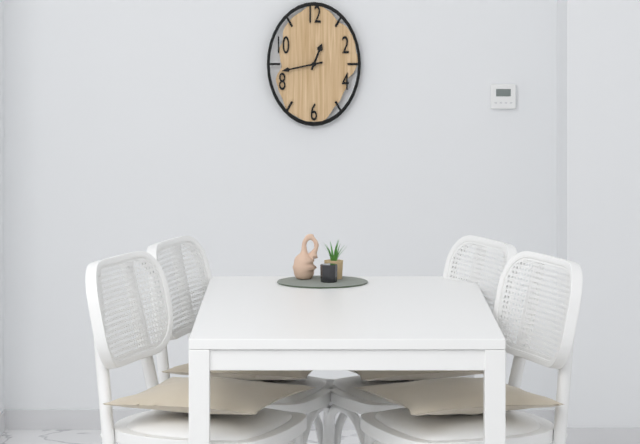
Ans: {"hour": 12, "minute": 43}
